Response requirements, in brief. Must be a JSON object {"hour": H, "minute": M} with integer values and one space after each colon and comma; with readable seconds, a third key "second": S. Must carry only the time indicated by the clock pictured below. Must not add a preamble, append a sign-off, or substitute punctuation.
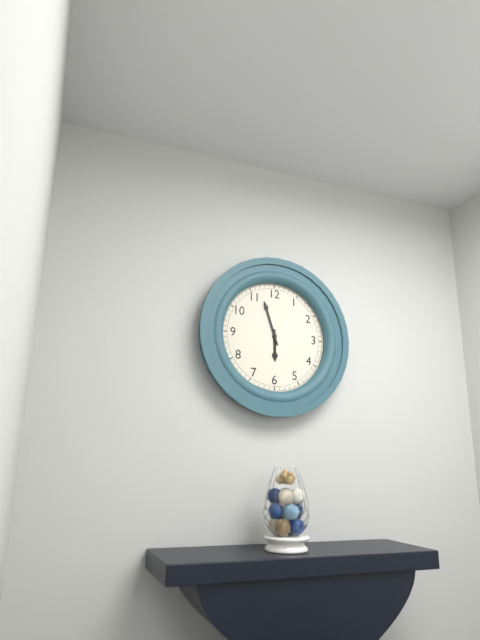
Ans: {"hour": 5, "minute": 57}
